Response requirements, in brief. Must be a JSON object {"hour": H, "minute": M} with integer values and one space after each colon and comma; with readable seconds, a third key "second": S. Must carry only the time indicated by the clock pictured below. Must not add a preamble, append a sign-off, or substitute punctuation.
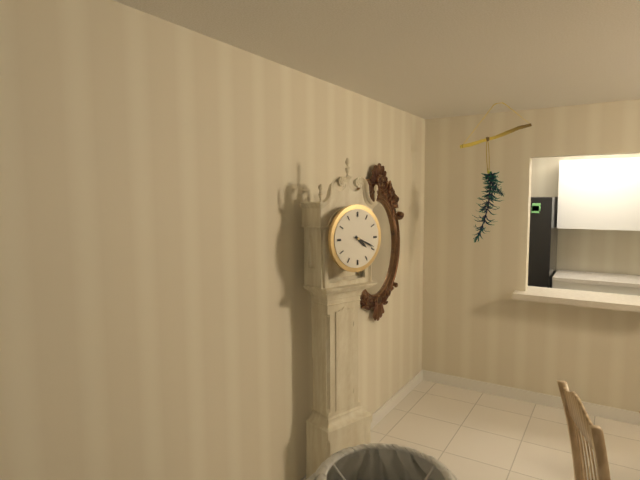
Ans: {"hour": 4, "minute": 19}
